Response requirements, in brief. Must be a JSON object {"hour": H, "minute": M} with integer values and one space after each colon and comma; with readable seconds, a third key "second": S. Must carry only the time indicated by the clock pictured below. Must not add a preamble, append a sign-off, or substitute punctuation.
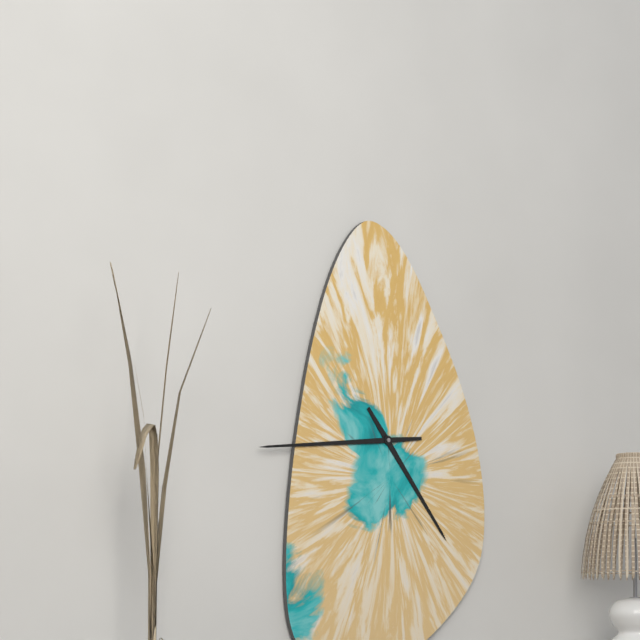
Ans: {"hour": 4, "minute": 44}
